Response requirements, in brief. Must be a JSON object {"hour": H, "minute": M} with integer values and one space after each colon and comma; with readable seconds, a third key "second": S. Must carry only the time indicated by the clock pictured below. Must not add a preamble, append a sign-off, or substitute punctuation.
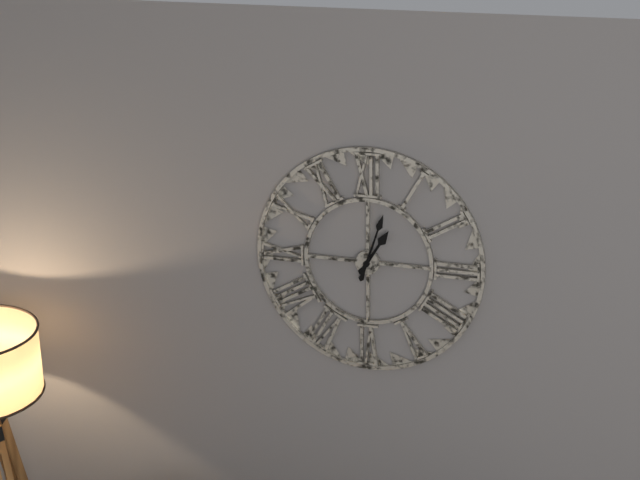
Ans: {"hour": 1, "minute": 3}
